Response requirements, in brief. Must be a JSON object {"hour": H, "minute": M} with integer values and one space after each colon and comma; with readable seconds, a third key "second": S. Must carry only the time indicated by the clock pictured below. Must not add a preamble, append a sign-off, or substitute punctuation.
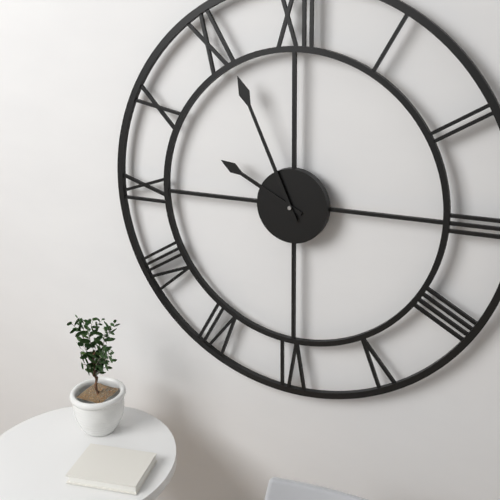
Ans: {"hour": 9, "minute": 56}
